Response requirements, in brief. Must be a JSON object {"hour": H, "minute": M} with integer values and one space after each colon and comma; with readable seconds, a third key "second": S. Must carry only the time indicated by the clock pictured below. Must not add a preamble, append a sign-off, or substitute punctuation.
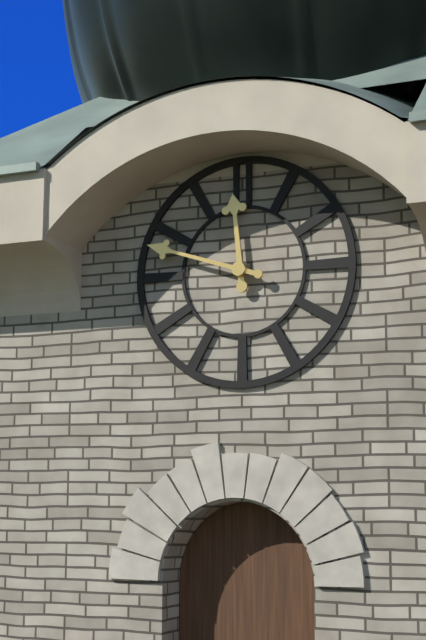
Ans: {"hour": 11, "minute": 48}
